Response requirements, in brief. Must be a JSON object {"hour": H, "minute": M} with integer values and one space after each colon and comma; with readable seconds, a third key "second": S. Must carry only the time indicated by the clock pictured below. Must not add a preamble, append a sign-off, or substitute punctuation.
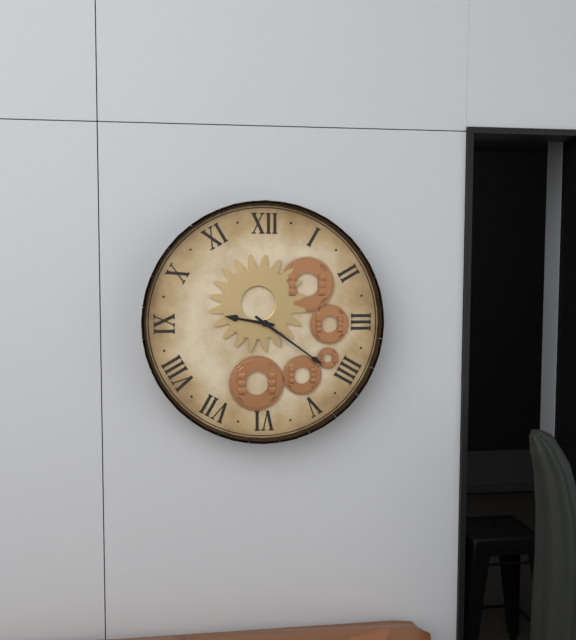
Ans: {"hour": 9, "minute": 21}
